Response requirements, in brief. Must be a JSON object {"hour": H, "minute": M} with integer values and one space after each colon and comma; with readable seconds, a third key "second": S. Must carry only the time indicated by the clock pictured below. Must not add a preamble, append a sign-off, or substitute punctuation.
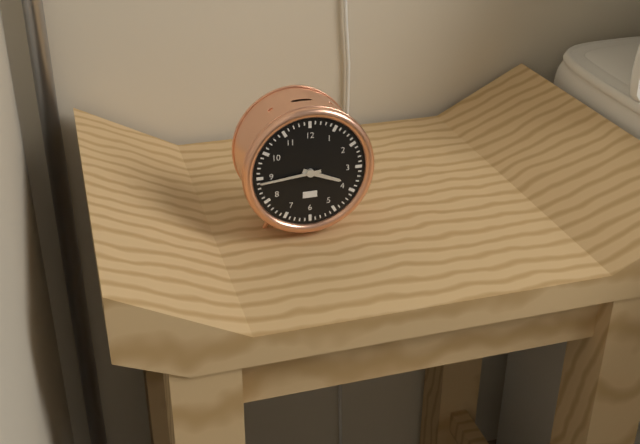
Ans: {"hour": 3, "minute": 44}
